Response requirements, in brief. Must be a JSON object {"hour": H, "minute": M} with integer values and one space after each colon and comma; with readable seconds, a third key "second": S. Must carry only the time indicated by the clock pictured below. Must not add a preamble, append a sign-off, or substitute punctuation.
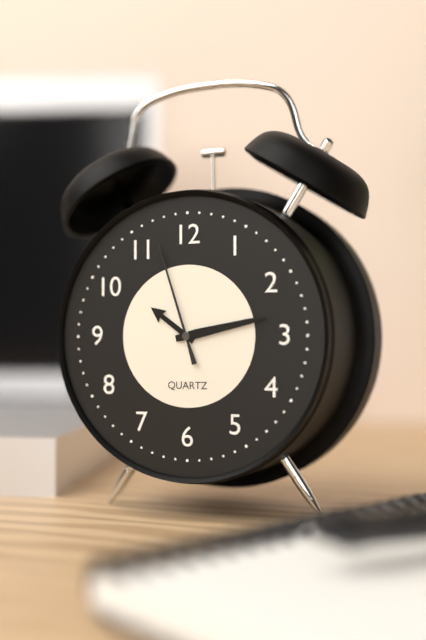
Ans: {"hour": 10, "minute": 13, "second": 57}
